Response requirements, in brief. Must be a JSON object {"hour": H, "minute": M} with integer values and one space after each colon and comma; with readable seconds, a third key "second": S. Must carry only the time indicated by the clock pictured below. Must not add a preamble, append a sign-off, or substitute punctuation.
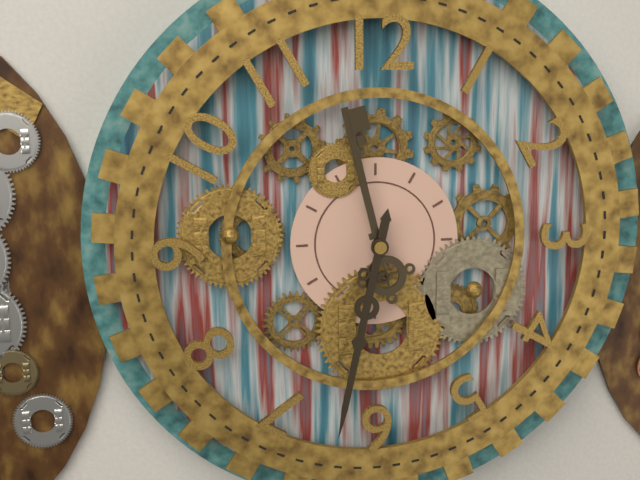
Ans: {"hour": 11, "minute": 32}
